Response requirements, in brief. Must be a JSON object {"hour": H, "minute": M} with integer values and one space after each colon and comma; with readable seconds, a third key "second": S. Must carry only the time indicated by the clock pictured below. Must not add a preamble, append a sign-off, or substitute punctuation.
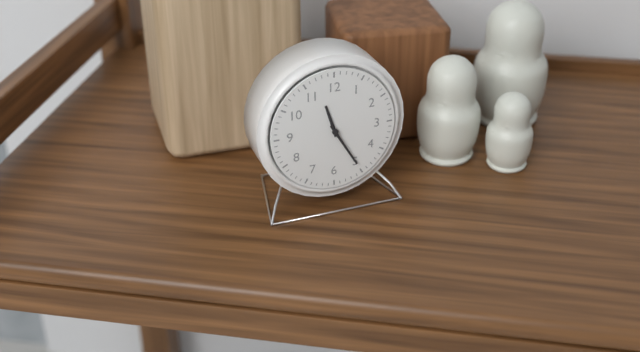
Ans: {"hour": 11, "minute": 25}
